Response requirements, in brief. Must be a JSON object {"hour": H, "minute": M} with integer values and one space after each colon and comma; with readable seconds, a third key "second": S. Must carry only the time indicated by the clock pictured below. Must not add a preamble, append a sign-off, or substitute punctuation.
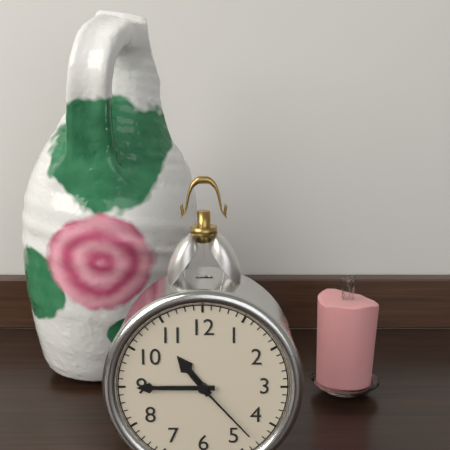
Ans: {"hour": 10, "minute": 45, "second": 23}
